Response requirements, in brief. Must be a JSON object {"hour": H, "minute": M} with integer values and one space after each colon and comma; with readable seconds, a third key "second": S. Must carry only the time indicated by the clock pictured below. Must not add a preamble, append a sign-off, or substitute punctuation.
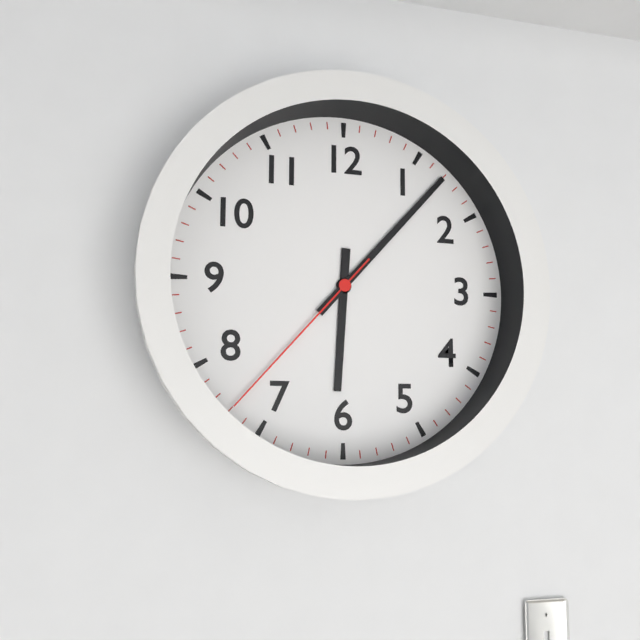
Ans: {"hour": 6, "minute": 7, "second": 37}
